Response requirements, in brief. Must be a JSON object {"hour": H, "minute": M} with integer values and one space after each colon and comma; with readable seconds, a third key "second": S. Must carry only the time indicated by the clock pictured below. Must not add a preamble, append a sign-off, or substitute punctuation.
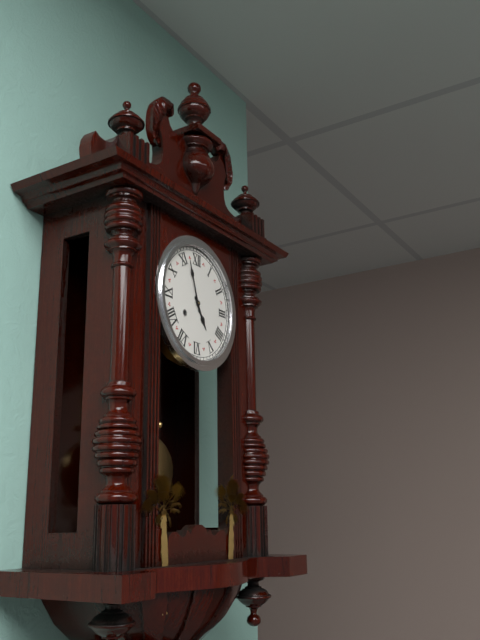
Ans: {"hour": 4, "minute": 57}
